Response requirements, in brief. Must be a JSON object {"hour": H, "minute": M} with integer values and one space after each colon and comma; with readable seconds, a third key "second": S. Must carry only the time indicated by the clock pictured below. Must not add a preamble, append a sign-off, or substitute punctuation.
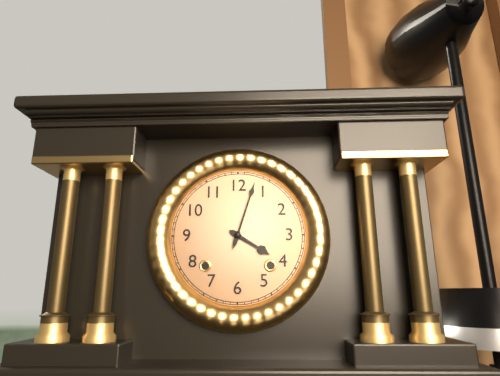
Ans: {"hour": 4, "minute": 3}
